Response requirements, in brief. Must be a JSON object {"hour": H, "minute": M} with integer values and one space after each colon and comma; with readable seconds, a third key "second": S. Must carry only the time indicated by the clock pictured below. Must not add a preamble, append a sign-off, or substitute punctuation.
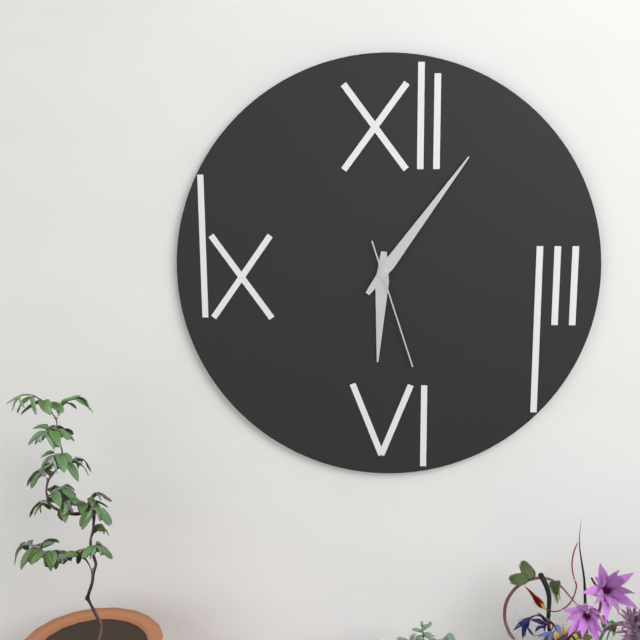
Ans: {"hour": 6, "minute": 6, "second": 27}
